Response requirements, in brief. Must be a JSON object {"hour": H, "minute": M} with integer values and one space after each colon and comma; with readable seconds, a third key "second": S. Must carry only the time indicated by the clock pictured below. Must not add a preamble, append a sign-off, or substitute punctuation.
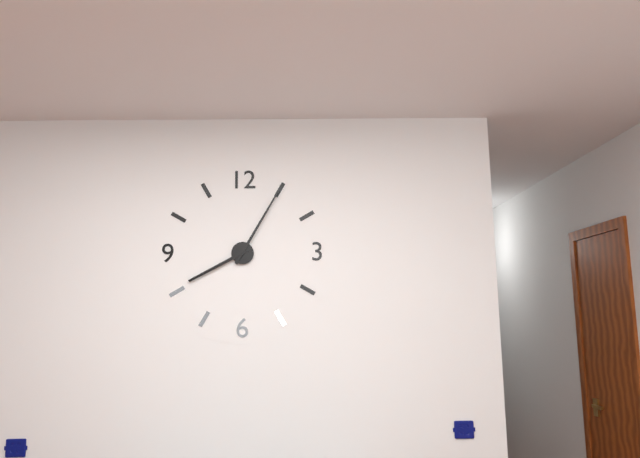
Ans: {"hour": 8, "minute": 5}
